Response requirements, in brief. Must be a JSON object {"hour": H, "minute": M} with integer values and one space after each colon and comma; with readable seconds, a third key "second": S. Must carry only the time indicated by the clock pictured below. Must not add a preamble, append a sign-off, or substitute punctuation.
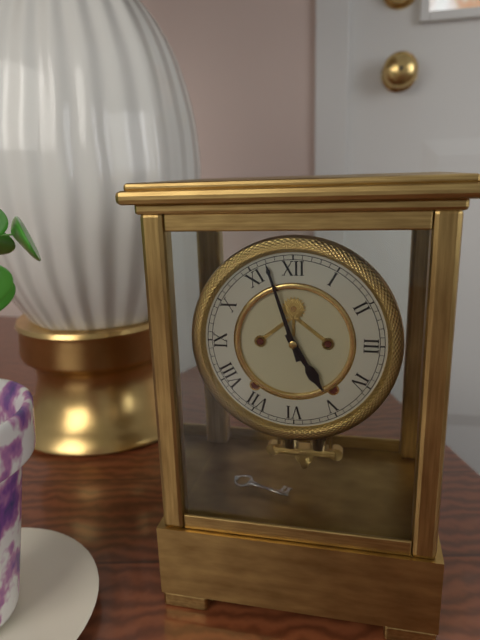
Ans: {"hour": 4, "minute": 57}
